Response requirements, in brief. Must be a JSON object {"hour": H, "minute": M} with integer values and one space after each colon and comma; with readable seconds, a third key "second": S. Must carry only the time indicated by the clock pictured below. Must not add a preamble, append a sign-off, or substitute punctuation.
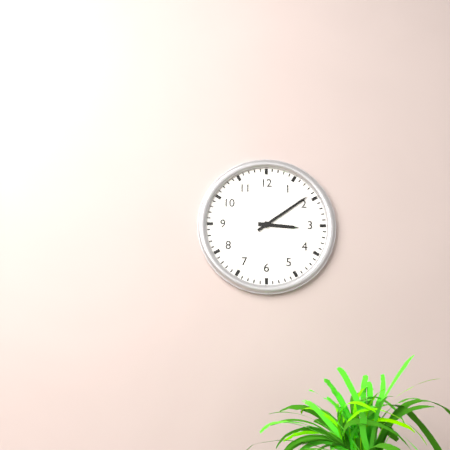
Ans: {"hour": 3, "minute": 9}
